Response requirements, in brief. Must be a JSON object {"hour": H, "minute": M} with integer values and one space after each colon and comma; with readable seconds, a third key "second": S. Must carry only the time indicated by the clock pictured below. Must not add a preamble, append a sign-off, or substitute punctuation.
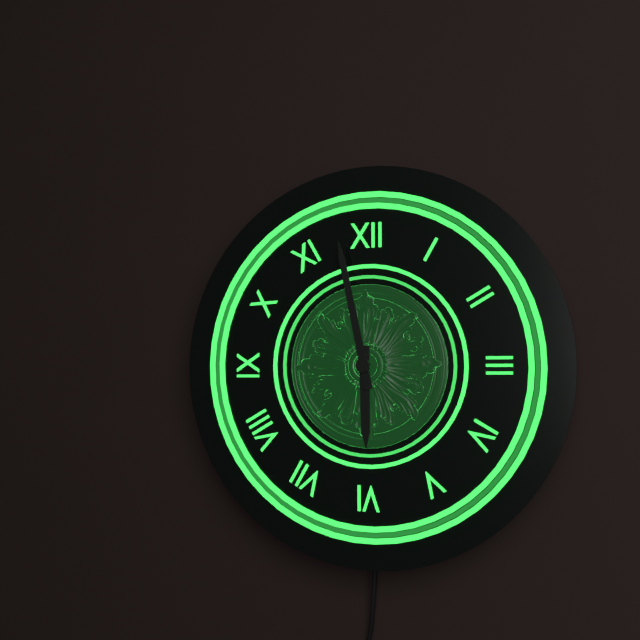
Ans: {"hour": 5, "minute": 58}
